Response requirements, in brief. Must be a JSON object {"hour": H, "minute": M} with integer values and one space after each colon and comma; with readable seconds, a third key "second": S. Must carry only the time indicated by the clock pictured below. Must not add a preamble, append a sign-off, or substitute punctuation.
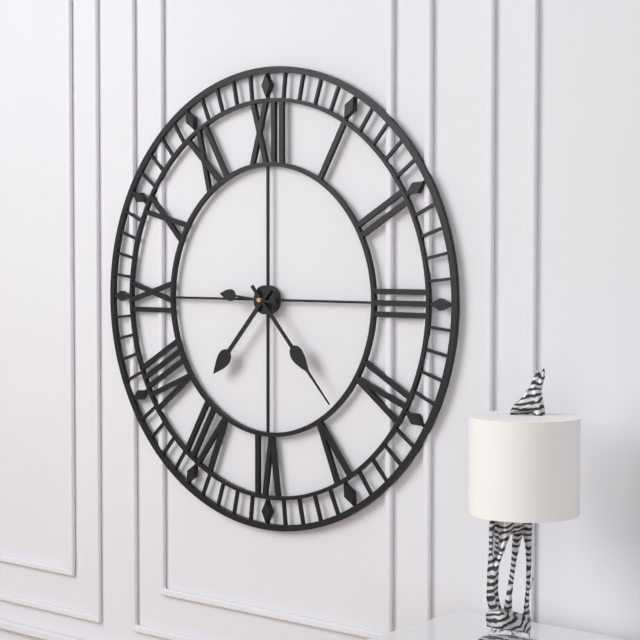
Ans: {"hour": 7, "minute": 23, "second": 46}
